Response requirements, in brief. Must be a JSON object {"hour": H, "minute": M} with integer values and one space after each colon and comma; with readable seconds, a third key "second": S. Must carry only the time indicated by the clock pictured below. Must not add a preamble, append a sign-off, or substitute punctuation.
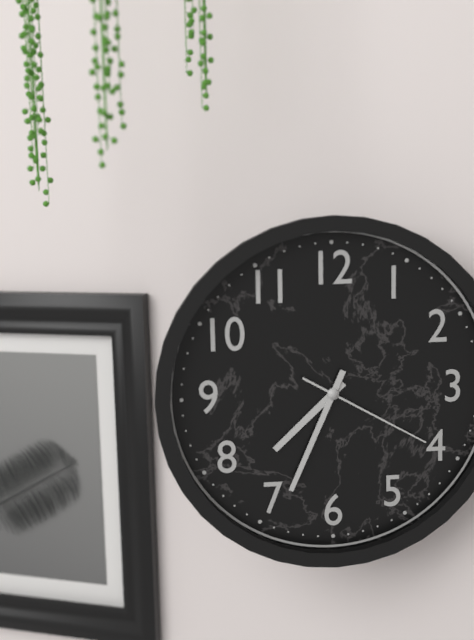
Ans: {"hour": 7, "minute": 34, "second": 20}
